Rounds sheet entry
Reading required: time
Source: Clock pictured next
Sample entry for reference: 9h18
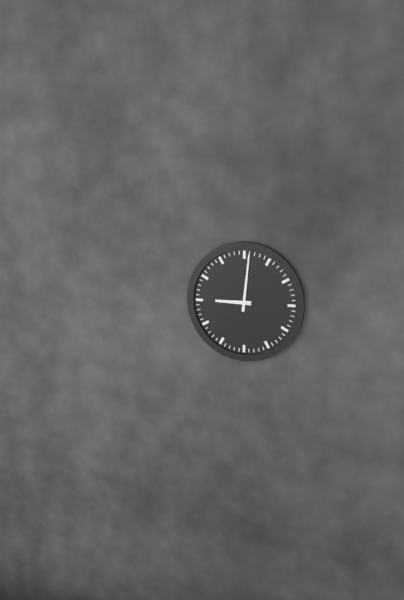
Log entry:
9h01
